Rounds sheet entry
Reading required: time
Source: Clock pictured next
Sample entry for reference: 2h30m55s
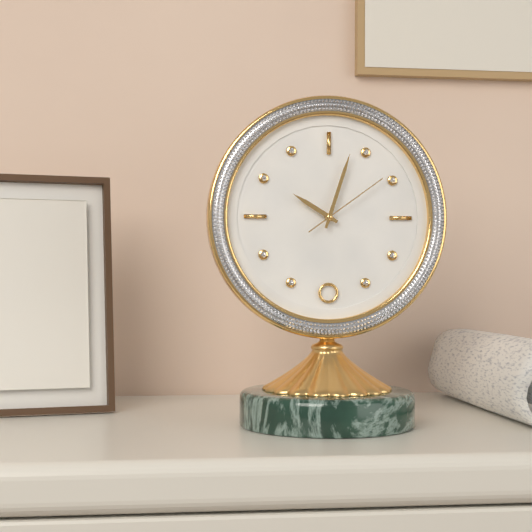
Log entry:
10h03m09s
